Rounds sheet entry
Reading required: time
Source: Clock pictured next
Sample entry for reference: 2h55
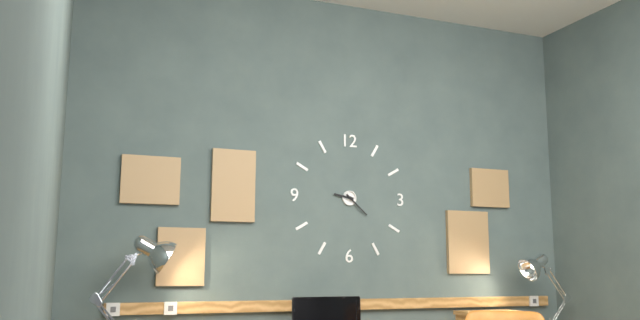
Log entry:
9h22
